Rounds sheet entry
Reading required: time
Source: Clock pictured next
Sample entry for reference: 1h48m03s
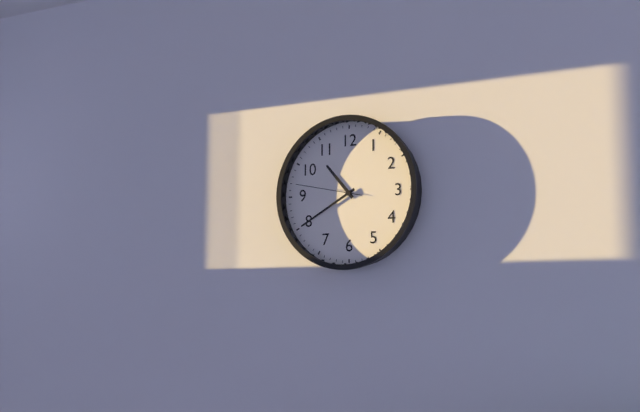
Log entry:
10h40m47s
